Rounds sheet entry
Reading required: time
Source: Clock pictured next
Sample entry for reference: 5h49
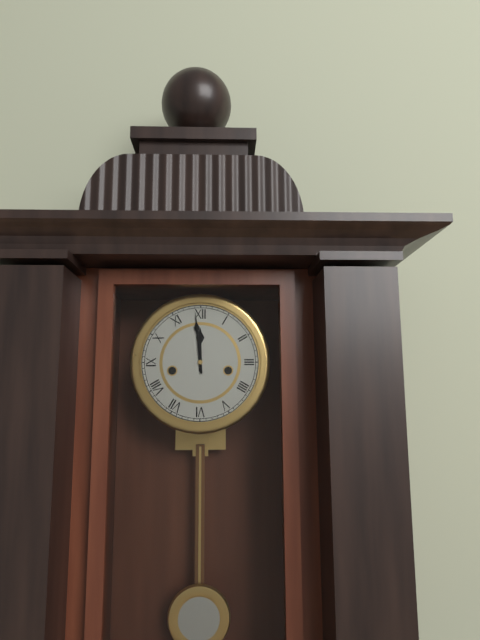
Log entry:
11h59
